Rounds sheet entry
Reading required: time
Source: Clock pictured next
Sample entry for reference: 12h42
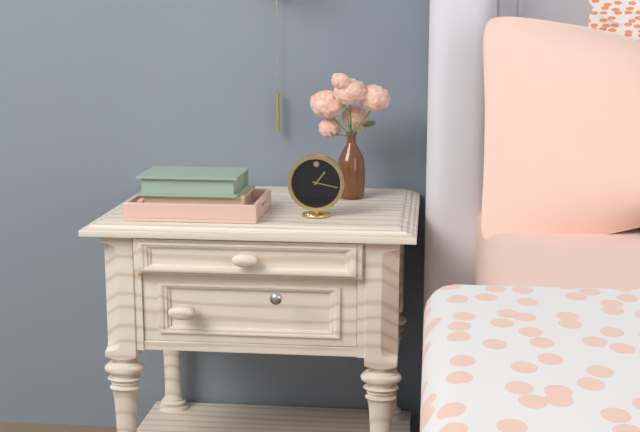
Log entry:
1h17
